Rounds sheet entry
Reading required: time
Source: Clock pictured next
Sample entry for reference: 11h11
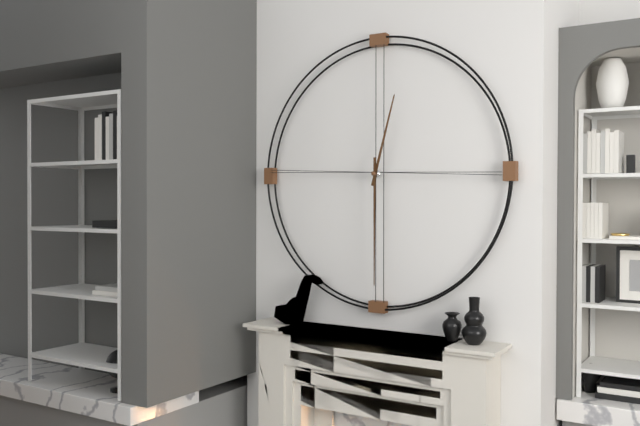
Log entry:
12h30
